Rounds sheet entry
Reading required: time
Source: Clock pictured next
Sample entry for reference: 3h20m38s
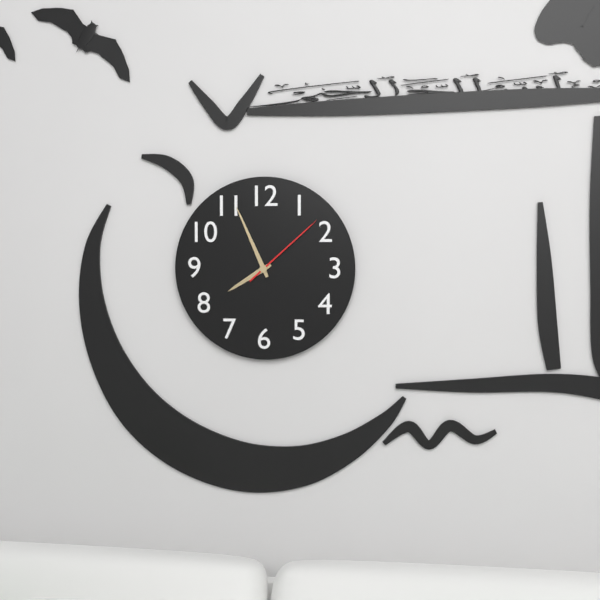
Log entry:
7h56m08s
